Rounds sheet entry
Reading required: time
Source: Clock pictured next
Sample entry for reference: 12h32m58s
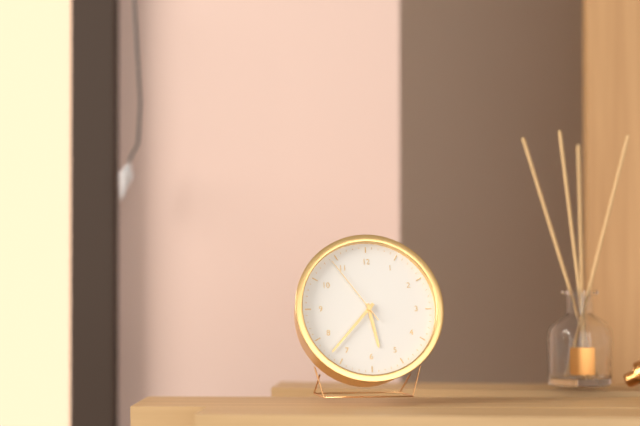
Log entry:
5h37m54s
